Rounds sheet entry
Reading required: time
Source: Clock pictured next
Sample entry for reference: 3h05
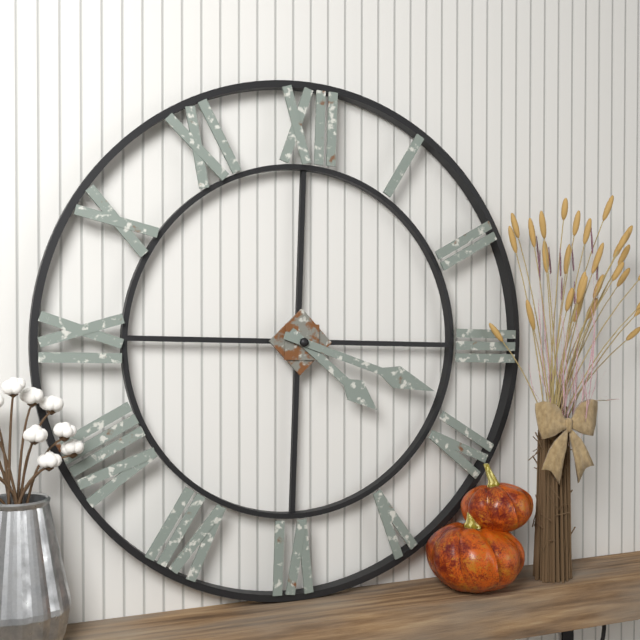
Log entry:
4h18
